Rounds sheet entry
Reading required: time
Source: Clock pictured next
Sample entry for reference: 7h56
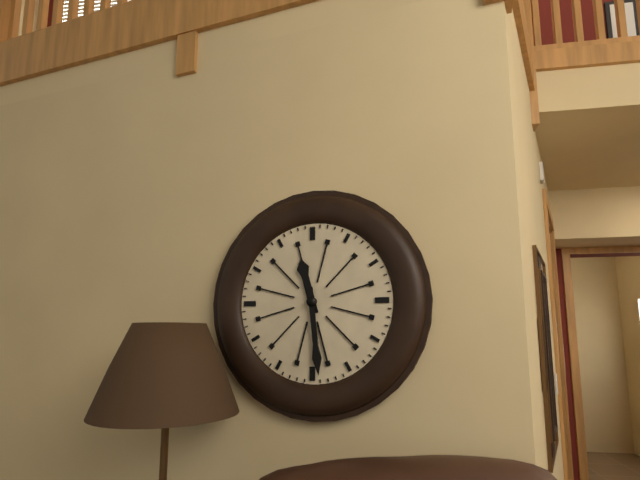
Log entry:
11h29
